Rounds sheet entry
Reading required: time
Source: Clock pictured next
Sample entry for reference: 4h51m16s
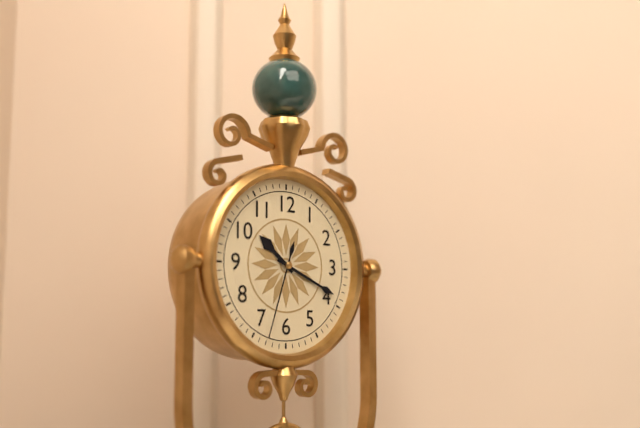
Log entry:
10h19m33s
